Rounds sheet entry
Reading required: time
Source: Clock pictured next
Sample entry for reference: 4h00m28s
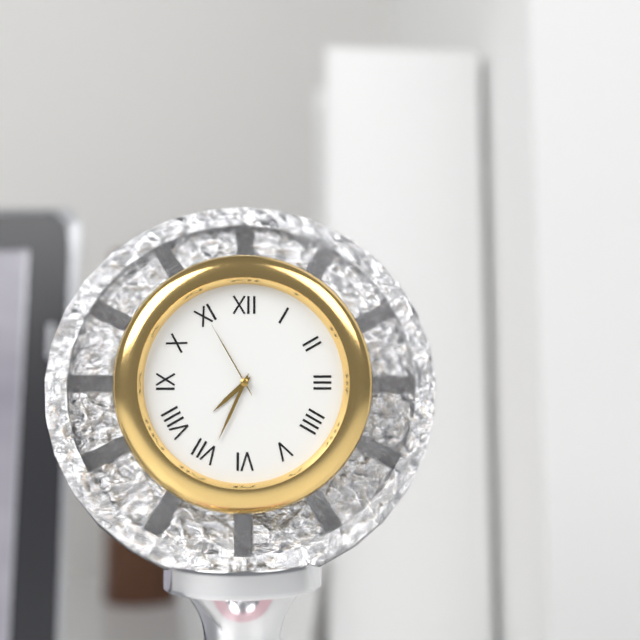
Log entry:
7h34m55s
